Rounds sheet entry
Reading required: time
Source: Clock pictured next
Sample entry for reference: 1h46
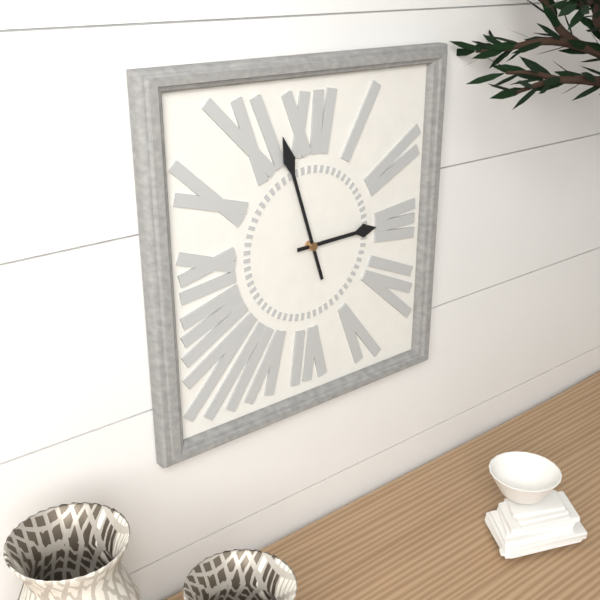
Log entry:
2h57
